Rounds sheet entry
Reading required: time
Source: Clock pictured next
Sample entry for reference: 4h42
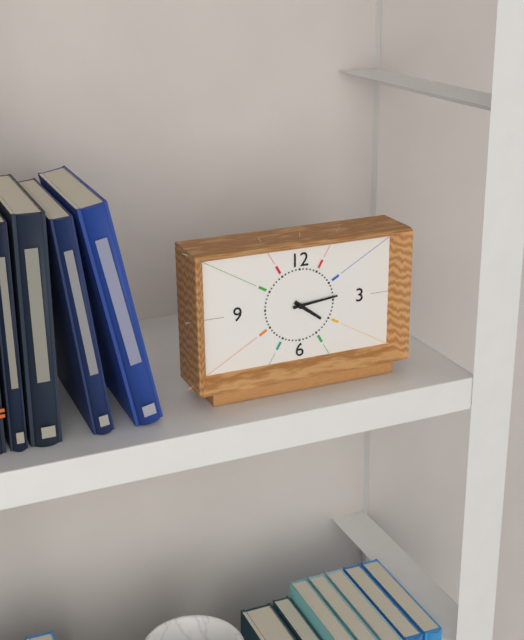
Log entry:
4h14
